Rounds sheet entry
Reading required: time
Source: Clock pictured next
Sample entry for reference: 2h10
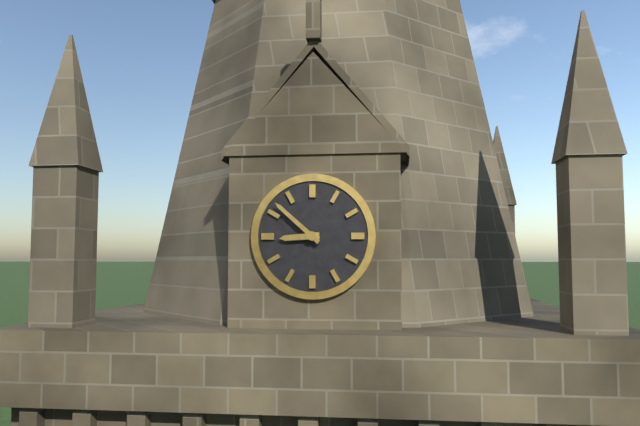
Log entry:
8h52
